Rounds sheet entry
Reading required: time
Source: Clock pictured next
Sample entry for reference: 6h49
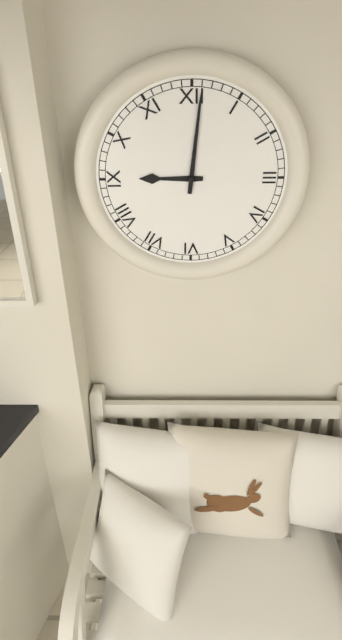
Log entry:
9h01
